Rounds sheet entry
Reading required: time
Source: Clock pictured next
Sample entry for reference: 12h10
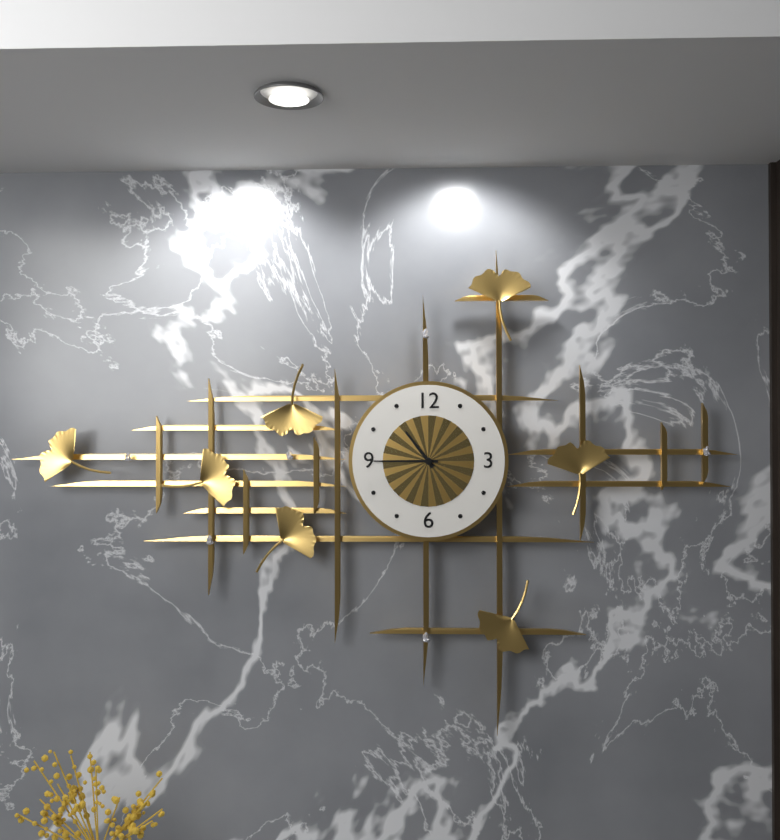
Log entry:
10h45
